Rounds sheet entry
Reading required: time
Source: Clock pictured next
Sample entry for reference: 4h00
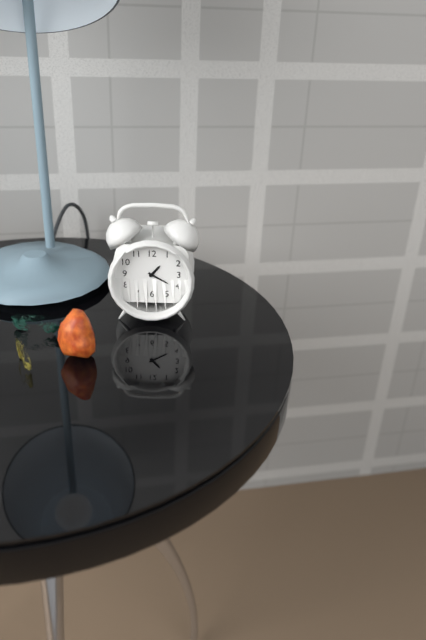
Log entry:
1h20
